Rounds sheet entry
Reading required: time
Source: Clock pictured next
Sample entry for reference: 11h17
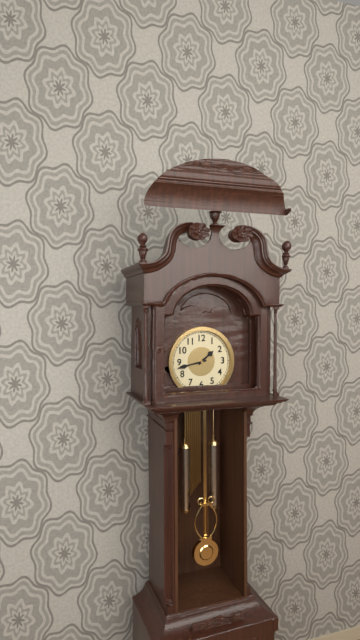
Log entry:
1h43
